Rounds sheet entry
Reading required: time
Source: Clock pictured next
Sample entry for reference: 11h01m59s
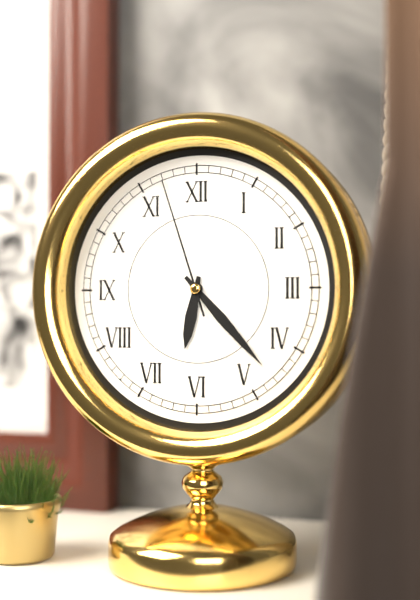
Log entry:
6h23m57s
